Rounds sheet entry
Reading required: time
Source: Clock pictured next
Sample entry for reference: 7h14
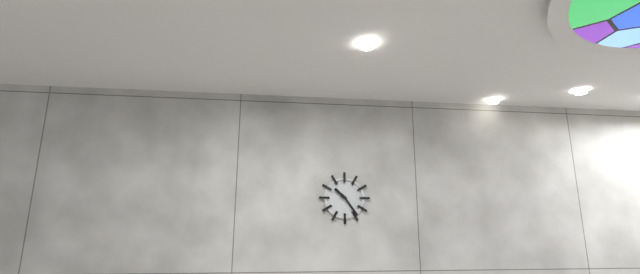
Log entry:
10h24
